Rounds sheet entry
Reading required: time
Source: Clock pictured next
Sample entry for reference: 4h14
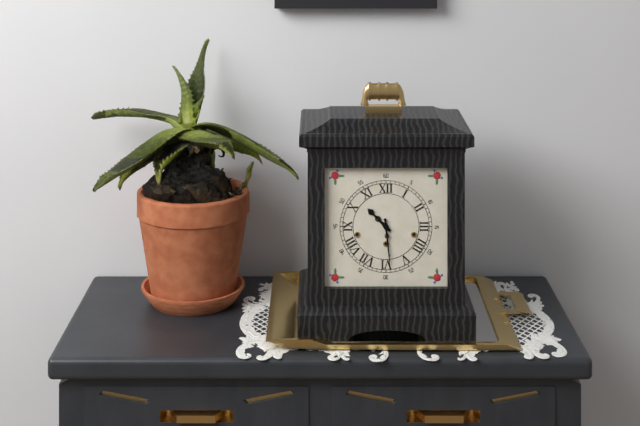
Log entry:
10h29
